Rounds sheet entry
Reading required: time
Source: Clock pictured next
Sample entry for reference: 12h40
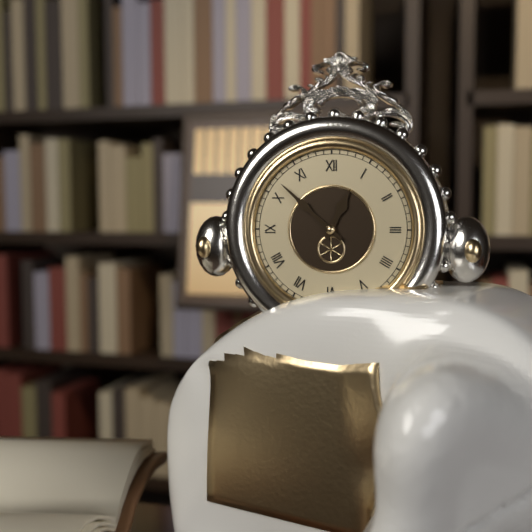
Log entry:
12h52
